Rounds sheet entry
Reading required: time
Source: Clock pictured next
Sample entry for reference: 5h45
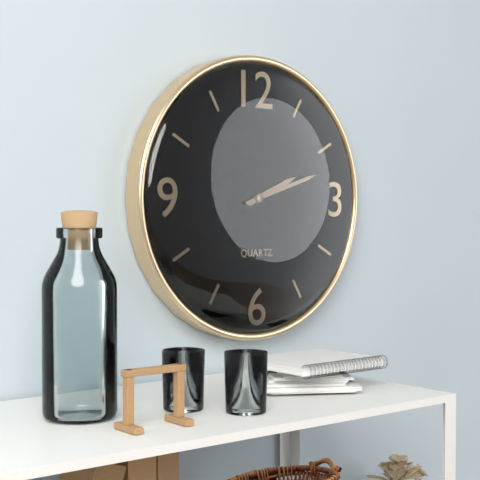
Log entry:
2h12
